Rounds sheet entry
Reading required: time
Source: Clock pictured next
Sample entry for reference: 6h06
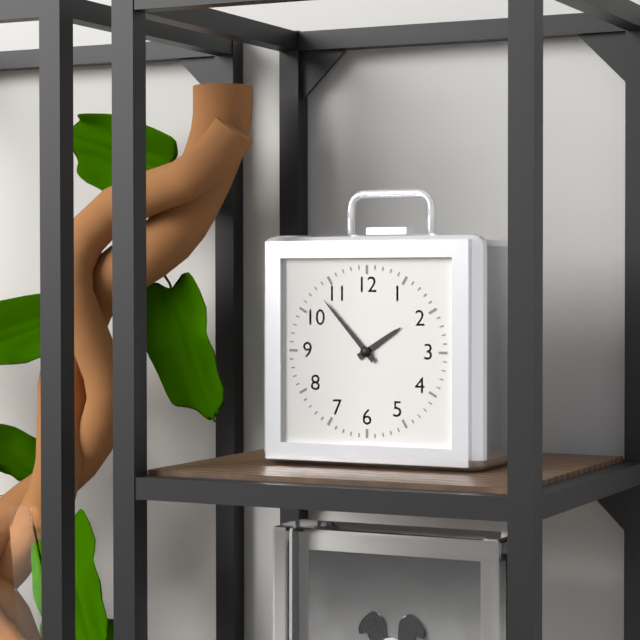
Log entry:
1h53
